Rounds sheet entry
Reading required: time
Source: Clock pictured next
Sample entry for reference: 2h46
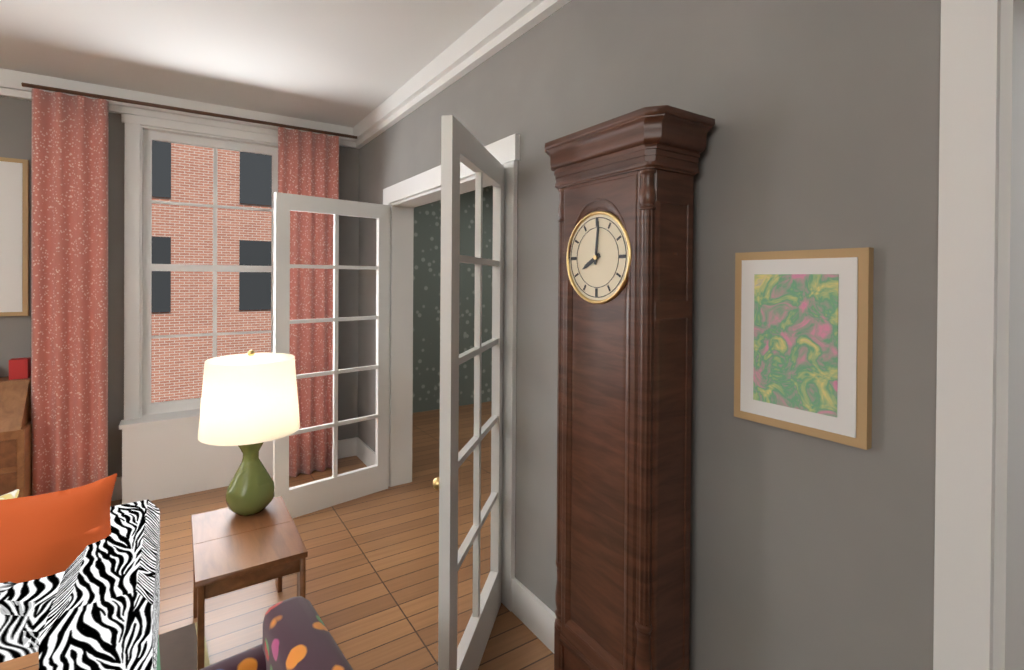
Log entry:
8h01
